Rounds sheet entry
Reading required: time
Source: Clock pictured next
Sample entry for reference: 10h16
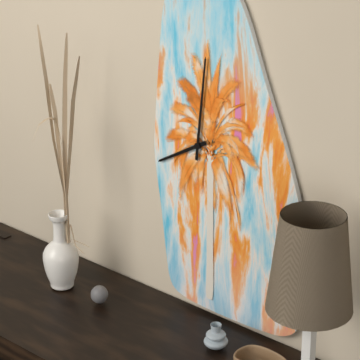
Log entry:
8h01
